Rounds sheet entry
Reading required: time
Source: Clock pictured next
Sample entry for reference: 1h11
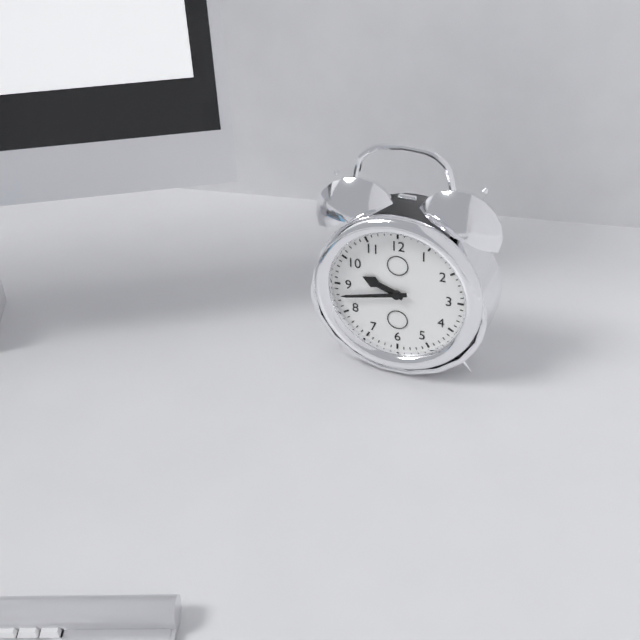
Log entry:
9h43
